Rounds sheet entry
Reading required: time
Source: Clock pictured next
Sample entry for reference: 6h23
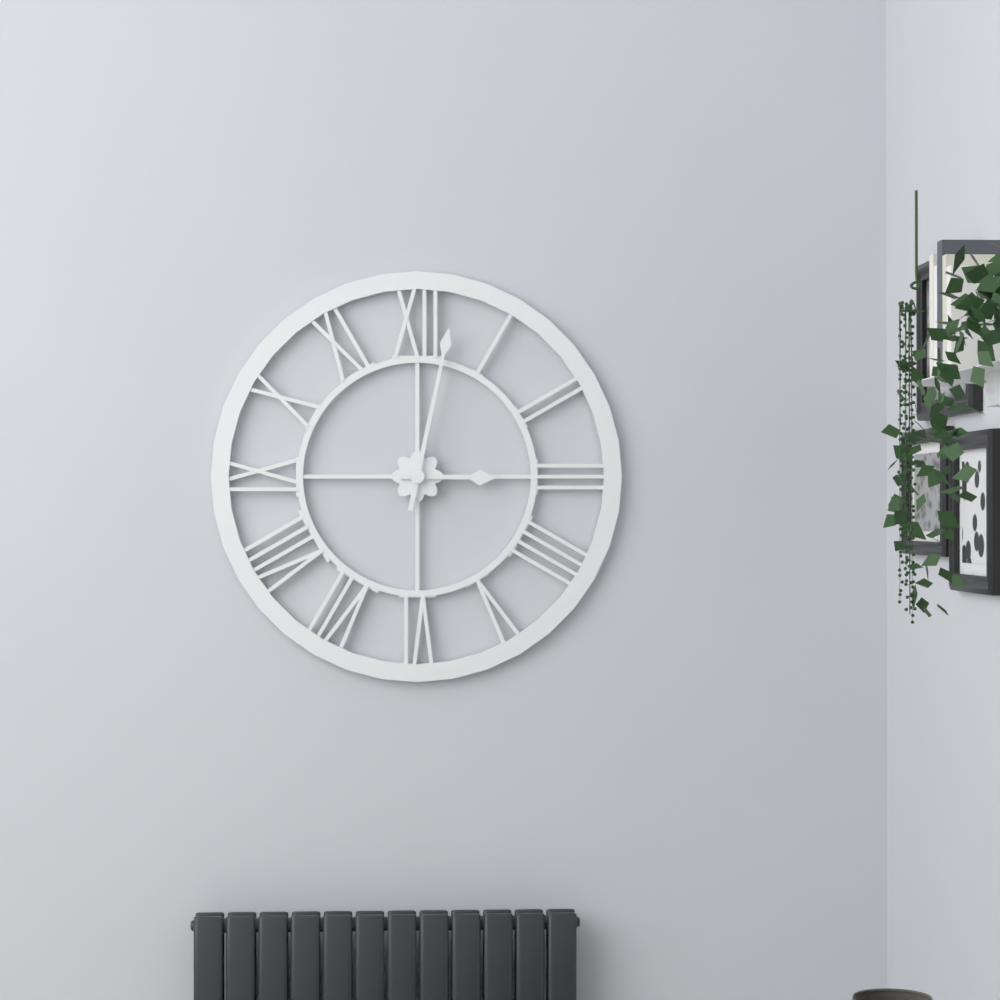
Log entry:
3h02
